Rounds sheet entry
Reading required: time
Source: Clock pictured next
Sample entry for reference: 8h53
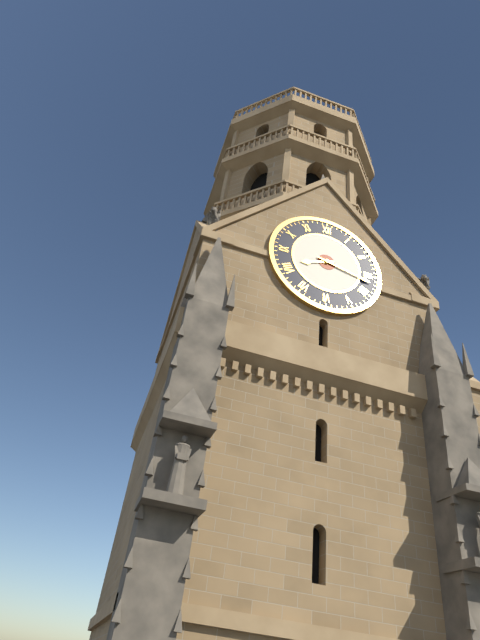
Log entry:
8h17
